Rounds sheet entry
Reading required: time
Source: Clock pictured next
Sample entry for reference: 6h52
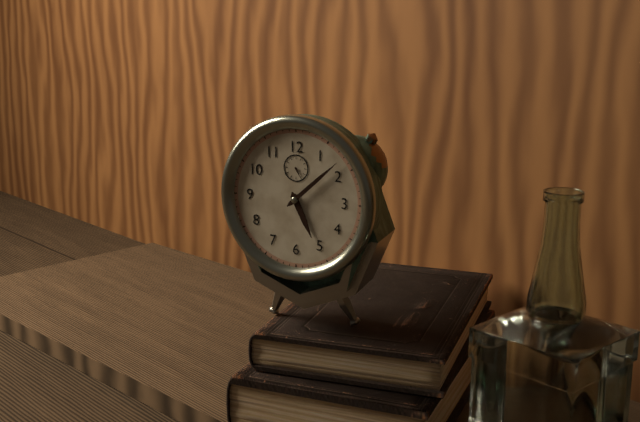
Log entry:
5h08
